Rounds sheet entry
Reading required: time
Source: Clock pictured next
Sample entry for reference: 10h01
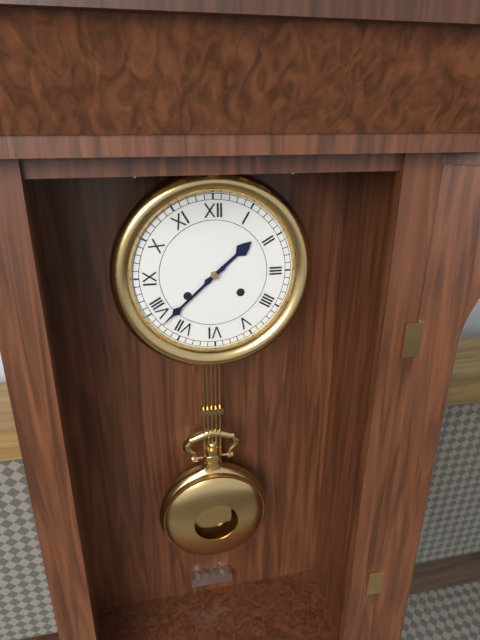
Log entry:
1h38
